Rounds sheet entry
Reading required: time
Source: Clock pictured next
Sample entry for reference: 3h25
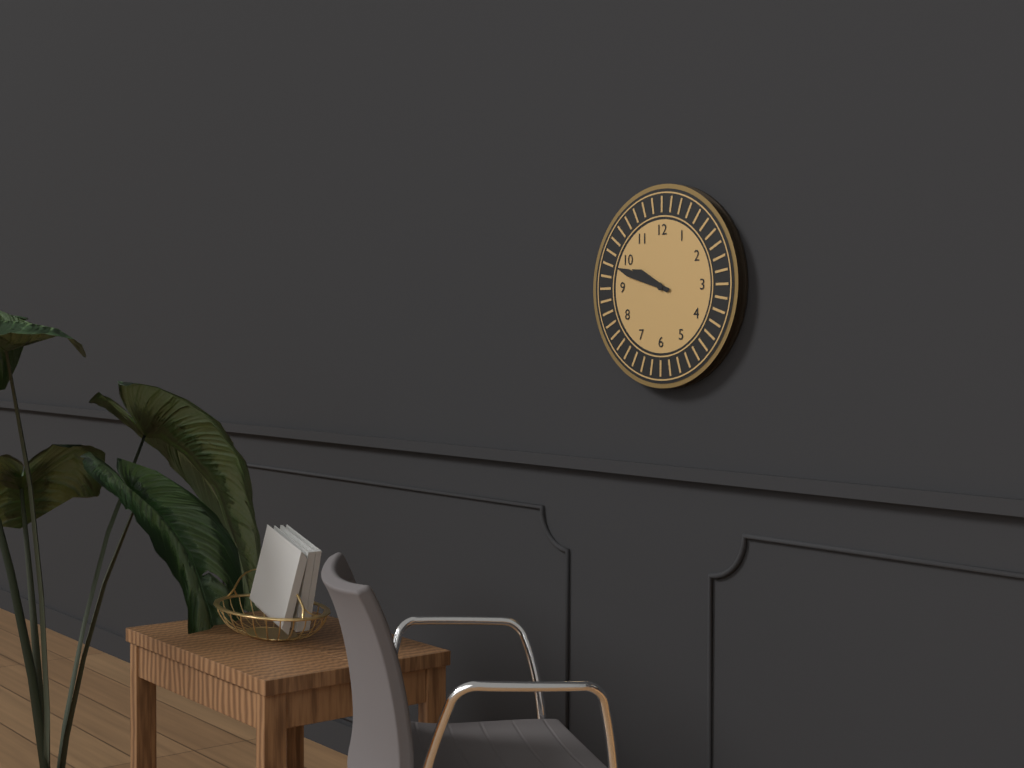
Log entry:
9h48
